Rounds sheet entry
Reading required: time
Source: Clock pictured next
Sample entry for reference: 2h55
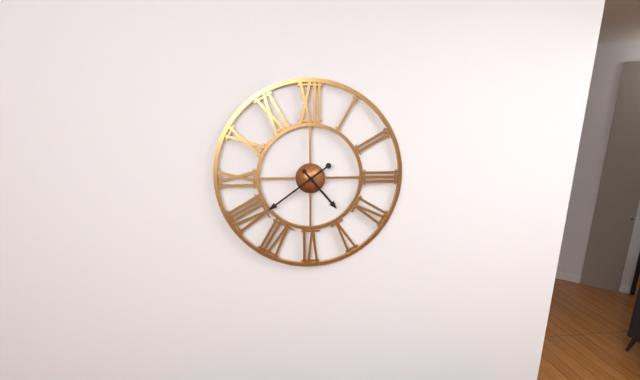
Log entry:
4h39
